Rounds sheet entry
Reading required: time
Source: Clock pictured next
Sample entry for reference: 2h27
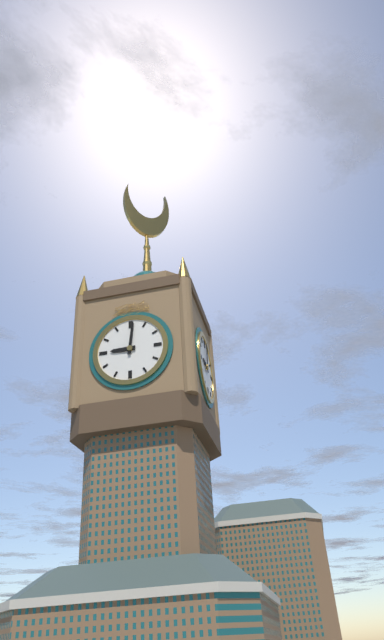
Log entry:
9h01
